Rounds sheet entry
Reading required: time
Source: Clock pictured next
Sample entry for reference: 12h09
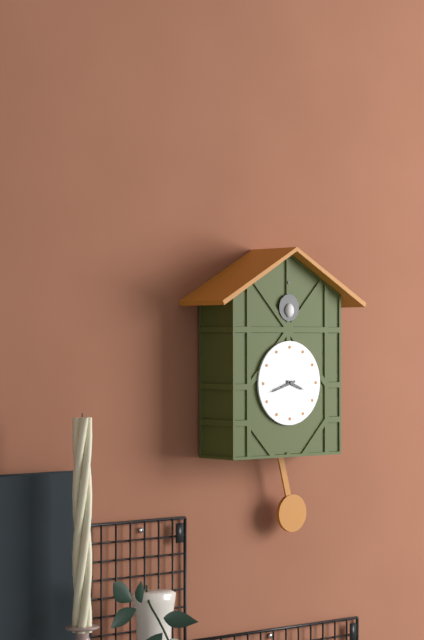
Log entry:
3h42
